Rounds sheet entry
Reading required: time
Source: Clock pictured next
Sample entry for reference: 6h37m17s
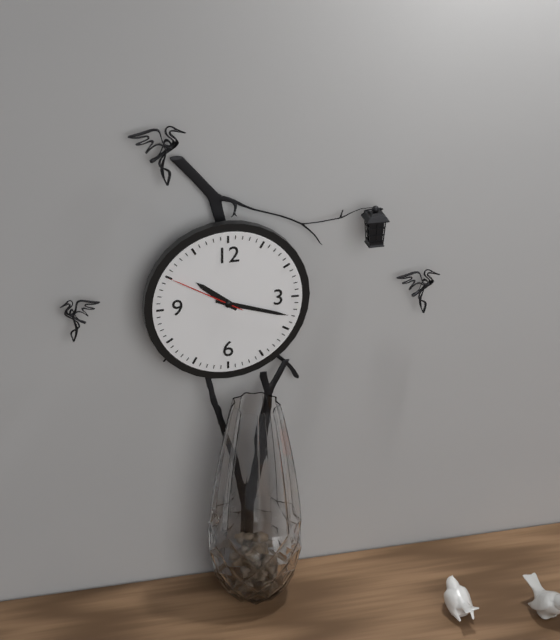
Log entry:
10h18m50s
